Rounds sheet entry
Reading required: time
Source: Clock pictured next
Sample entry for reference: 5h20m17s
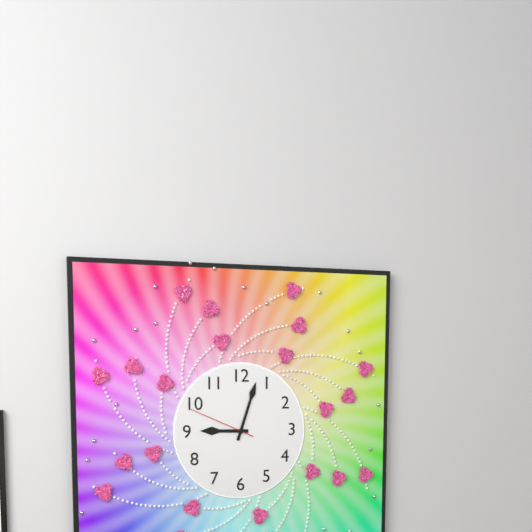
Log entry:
9h03m49s
